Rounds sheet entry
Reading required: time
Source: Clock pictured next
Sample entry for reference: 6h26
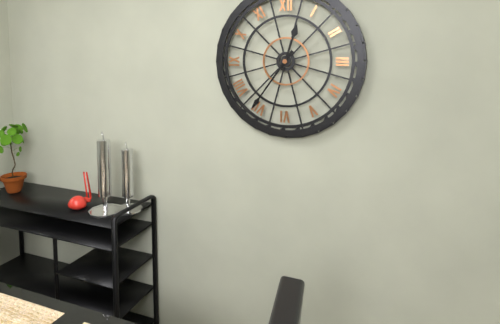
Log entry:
12h36
